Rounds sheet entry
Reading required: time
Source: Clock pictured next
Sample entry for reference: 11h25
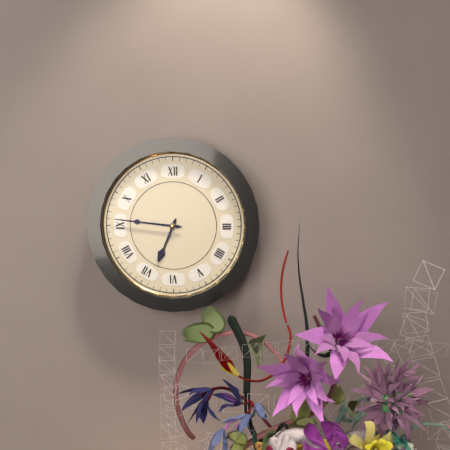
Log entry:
6h46
